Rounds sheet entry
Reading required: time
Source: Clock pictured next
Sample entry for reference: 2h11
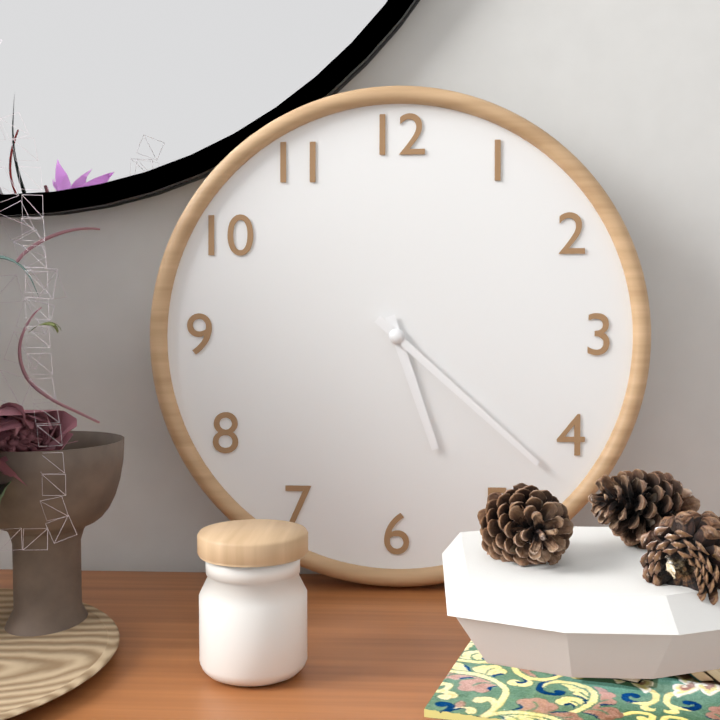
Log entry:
5h22
